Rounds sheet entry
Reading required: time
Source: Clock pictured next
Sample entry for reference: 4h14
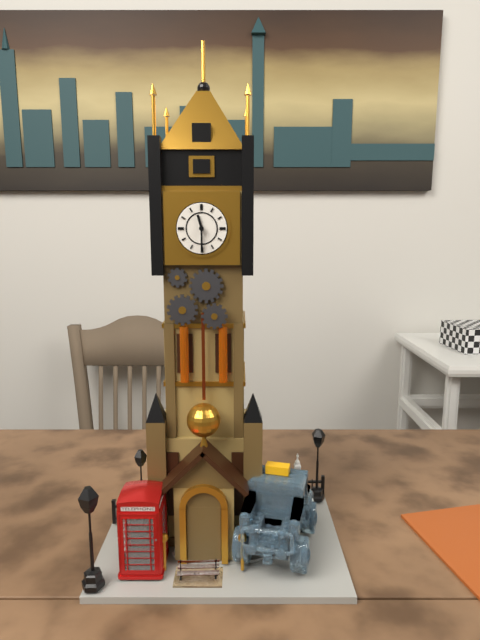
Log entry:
11h30
